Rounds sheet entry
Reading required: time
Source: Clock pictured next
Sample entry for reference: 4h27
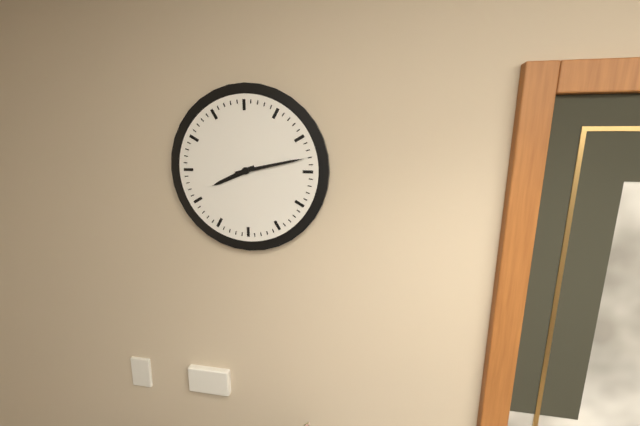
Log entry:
8h13
